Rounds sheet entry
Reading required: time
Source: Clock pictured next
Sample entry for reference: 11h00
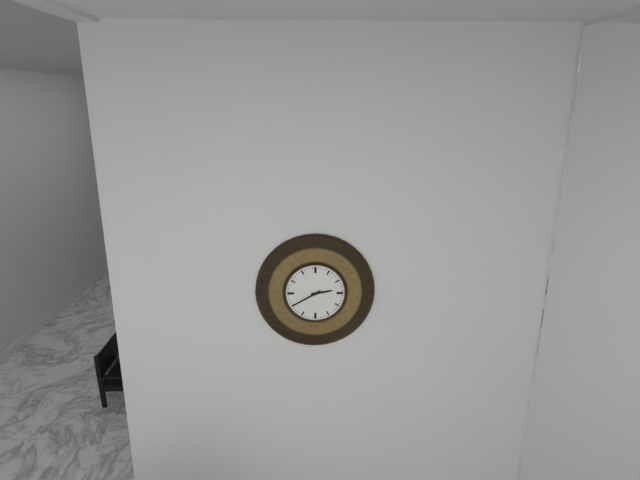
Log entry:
2h40
